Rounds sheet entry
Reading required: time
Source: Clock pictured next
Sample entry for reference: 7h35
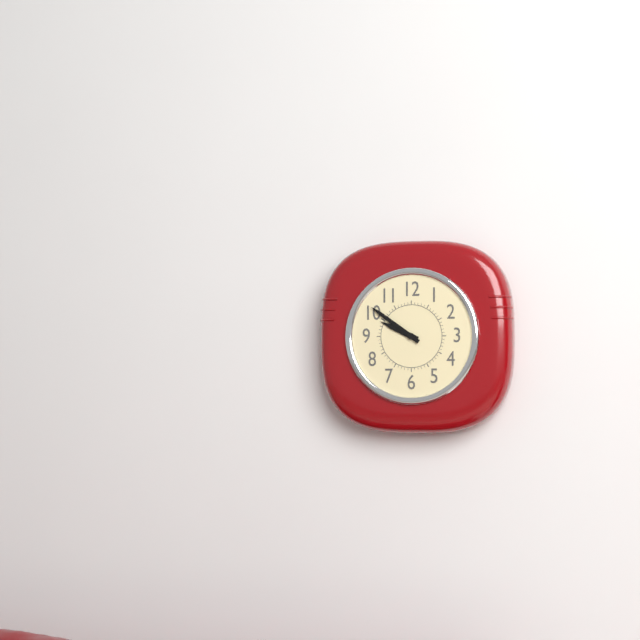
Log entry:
9h51
